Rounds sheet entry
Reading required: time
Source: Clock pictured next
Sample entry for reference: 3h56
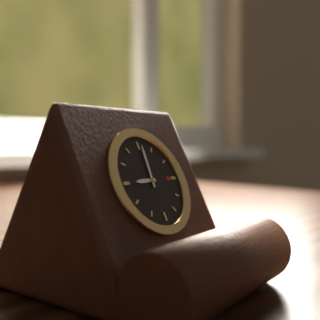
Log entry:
9h01
